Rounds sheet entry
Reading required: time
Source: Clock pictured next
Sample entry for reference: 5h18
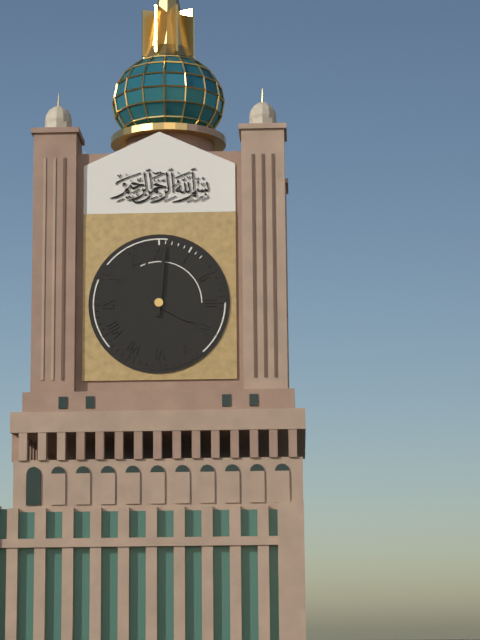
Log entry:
4h01
